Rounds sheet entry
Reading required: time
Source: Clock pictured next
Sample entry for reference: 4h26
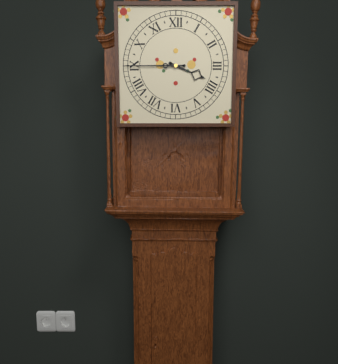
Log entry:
3h45
